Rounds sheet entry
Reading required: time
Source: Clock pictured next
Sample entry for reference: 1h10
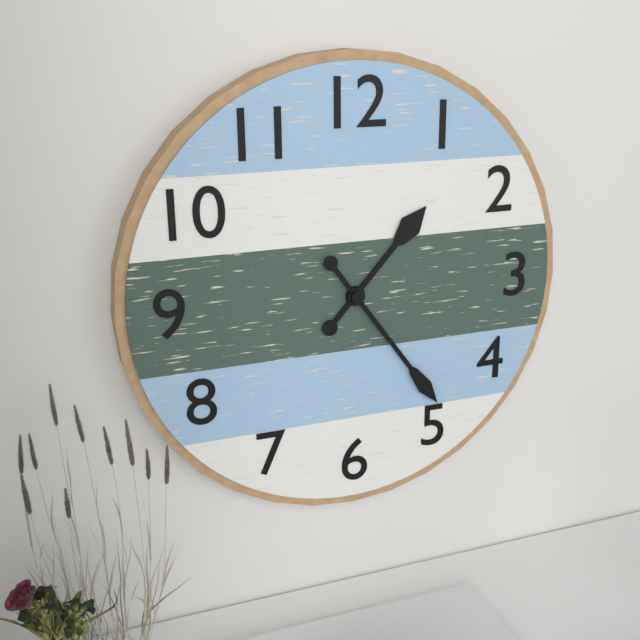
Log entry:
1h24
